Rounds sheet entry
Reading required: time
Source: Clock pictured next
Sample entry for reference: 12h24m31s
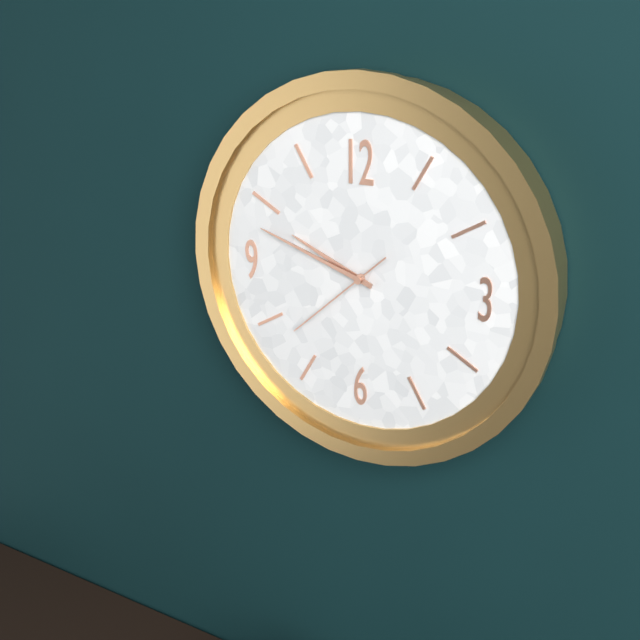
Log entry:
9h48m38s
